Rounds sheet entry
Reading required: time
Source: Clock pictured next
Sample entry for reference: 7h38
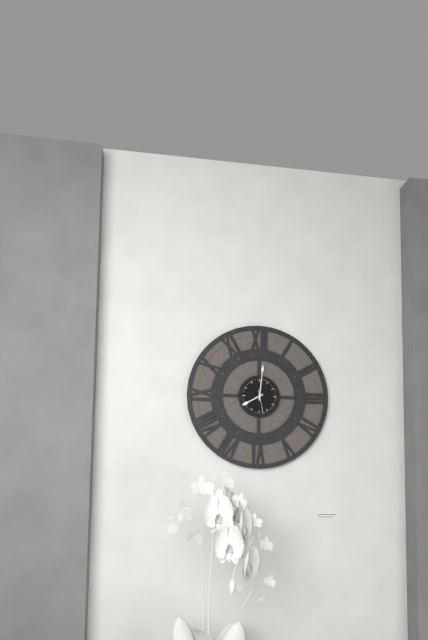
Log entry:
8h01
